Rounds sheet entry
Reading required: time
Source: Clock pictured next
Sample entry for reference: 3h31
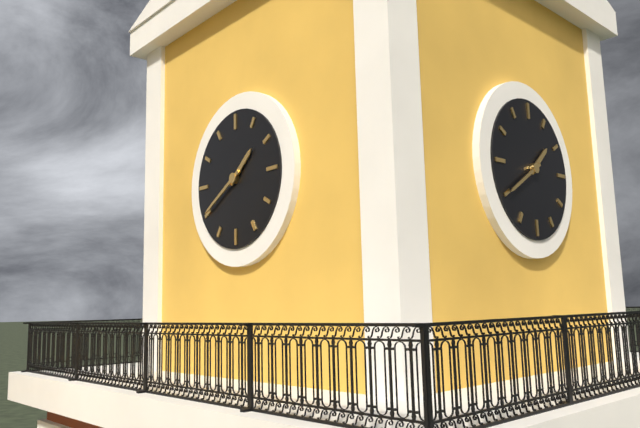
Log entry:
1h40
